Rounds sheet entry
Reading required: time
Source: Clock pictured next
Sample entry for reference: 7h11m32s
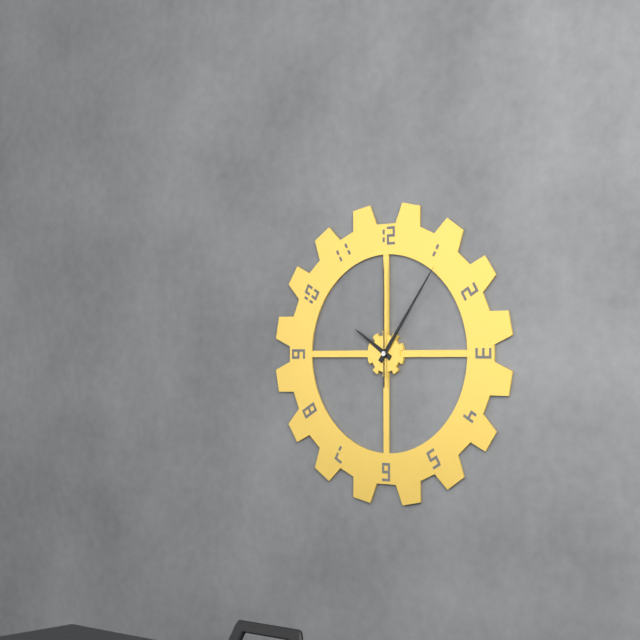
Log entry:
10h06m00s
